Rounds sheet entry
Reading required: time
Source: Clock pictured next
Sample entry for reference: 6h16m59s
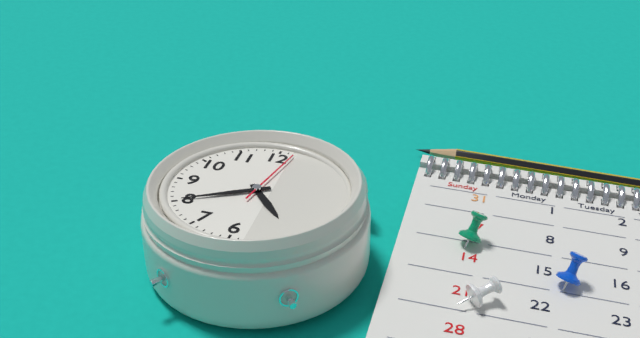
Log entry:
4h40m02s
